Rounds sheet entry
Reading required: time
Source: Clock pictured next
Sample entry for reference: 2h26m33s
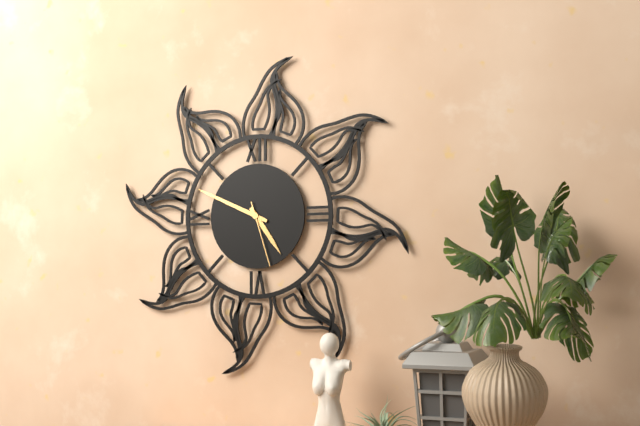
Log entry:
4h49m27s
